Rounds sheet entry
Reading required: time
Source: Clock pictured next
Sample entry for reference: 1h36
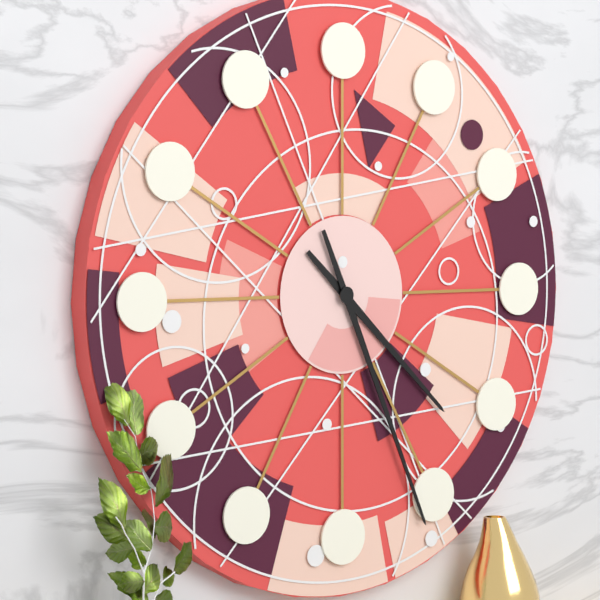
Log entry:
4h26
